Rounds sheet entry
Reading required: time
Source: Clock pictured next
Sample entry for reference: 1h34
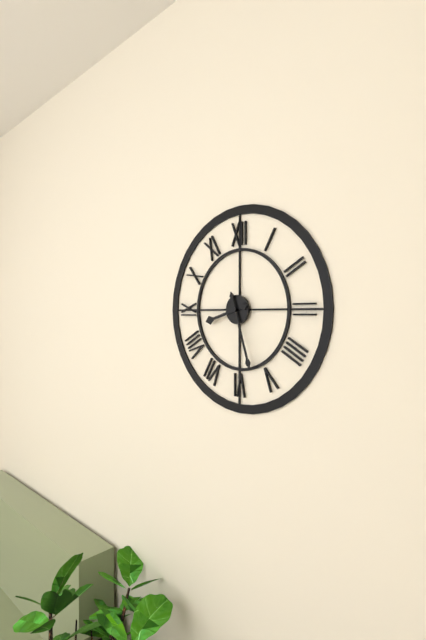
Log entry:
8h27
